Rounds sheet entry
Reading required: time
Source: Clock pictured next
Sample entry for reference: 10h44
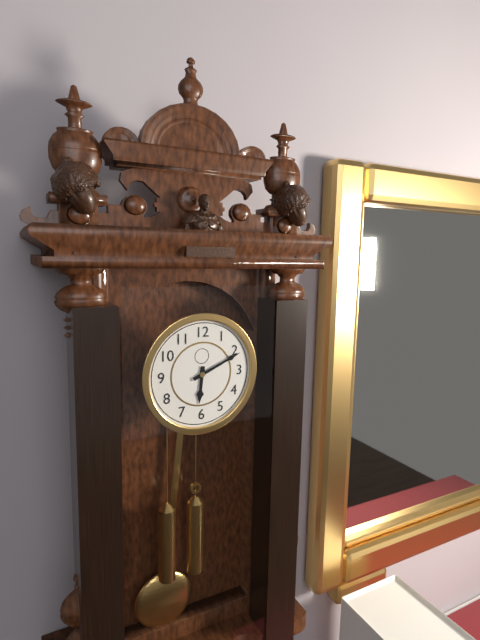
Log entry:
6h11
